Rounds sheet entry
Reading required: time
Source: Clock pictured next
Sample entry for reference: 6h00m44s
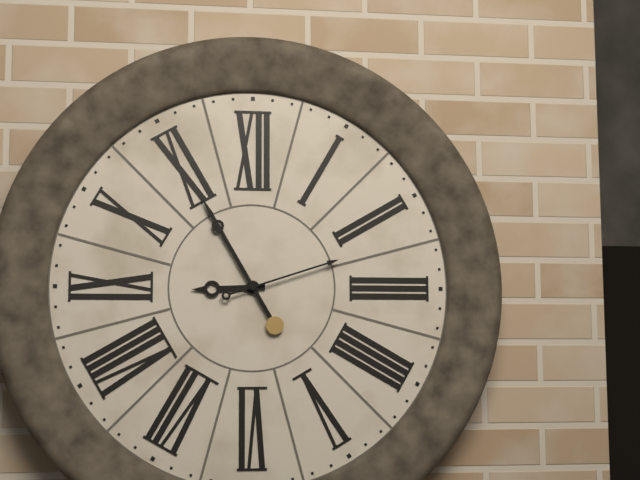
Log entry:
8h55m12s
